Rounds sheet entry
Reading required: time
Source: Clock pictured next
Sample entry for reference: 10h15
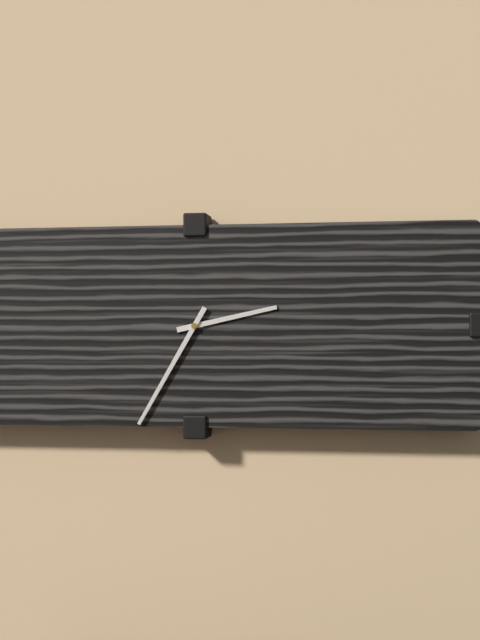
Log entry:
2h35
